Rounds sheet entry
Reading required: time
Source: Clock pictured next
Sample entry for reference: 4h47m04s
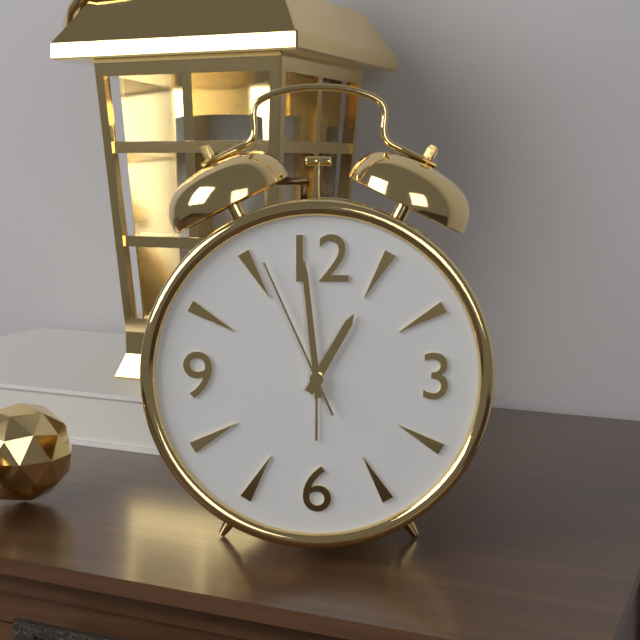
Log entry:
12h59m56s
